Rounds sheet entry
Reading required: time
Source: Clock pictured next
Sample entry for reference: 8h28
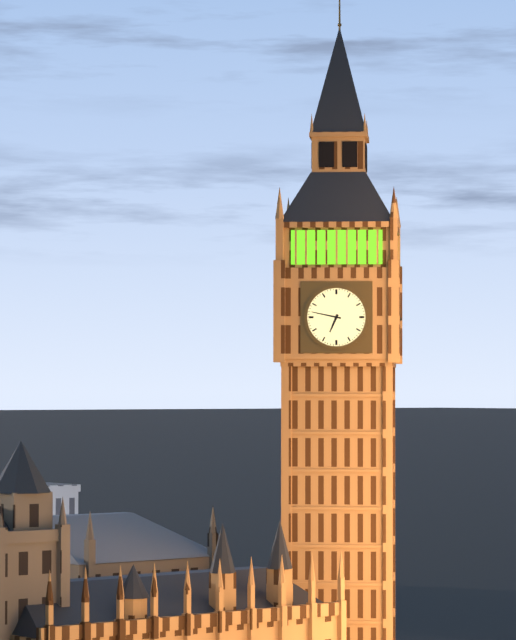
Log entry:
6h47
